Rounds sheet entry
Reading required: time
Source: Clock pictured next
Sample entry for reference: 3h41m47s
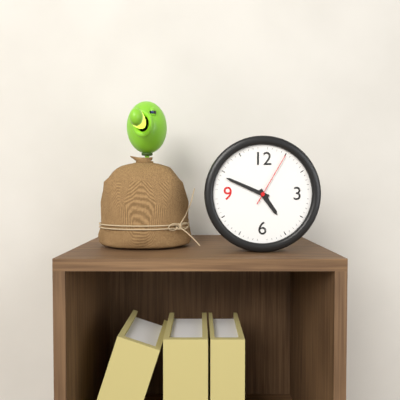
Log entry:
4h49m05s
